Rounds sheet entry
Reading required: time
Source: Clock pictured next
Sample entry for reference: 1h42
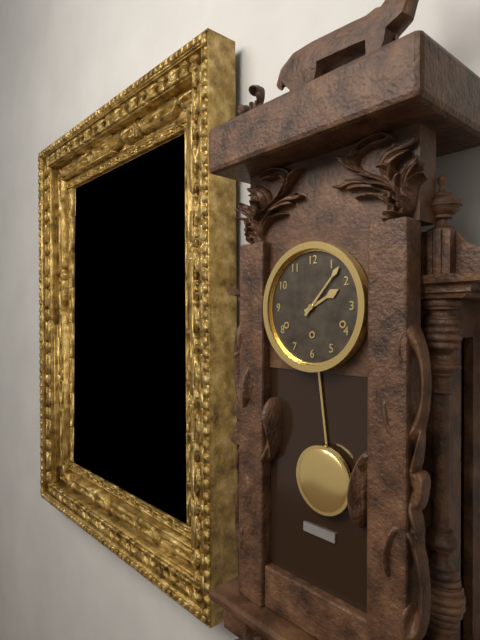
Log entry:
2h07
